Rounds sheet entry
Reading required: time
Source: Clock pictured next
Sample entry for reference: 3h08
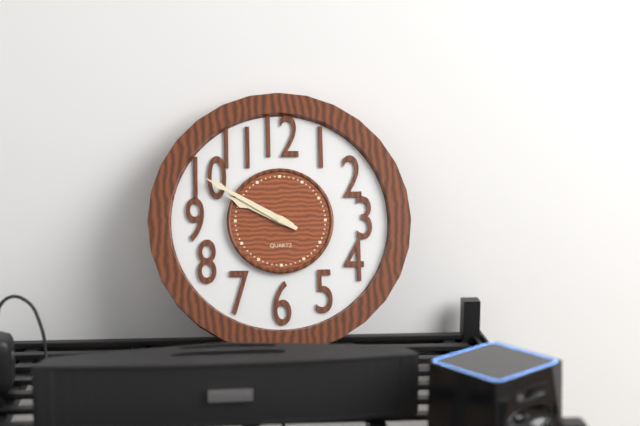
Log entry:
9h50
